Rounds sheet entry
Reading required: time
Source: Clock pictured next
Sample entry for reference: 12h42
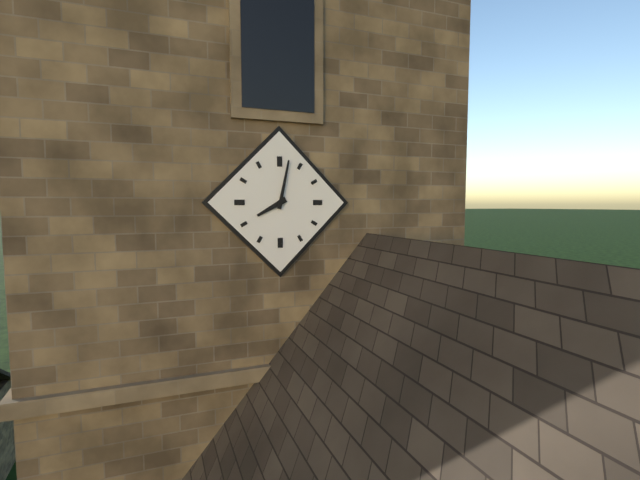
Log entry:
8h02
